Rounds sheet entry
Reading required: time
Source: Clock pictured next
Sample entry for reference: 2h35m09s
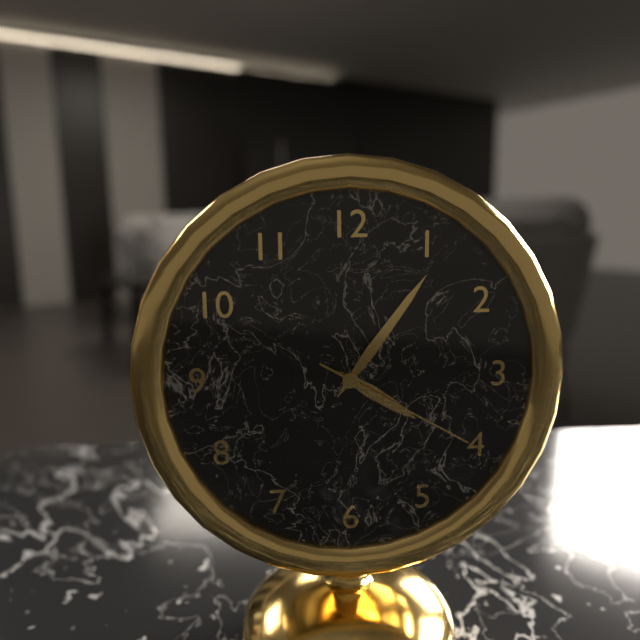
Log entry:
4h06m20s
